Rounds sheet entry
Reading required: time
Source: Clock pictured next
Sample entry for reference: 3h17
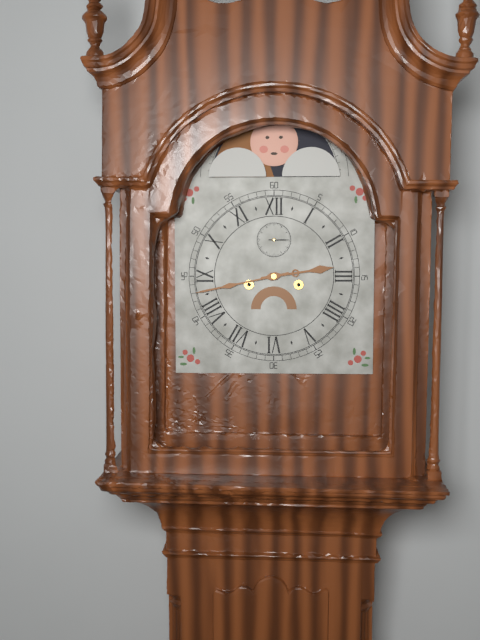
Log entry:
2h43
